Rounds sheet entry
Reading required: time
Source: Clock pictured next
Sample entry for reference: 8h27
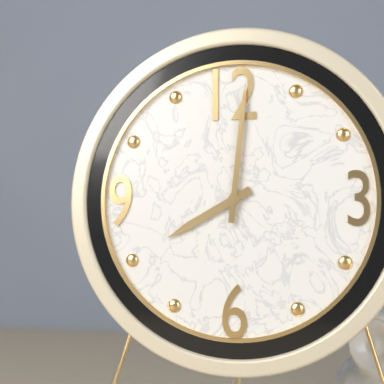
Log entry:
8h01
